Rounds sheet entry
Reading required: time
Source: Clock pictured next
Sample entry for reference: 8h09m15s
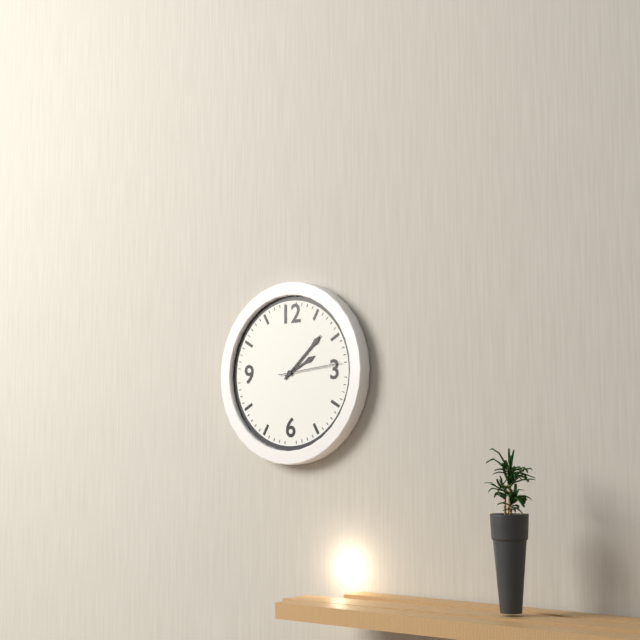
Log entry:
2h08m14s
